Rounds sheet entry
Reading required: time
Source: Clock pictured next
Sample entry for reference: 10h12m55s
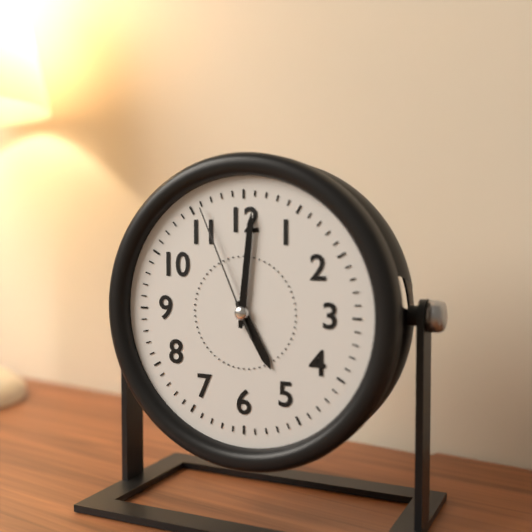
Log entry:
5h01m56s
